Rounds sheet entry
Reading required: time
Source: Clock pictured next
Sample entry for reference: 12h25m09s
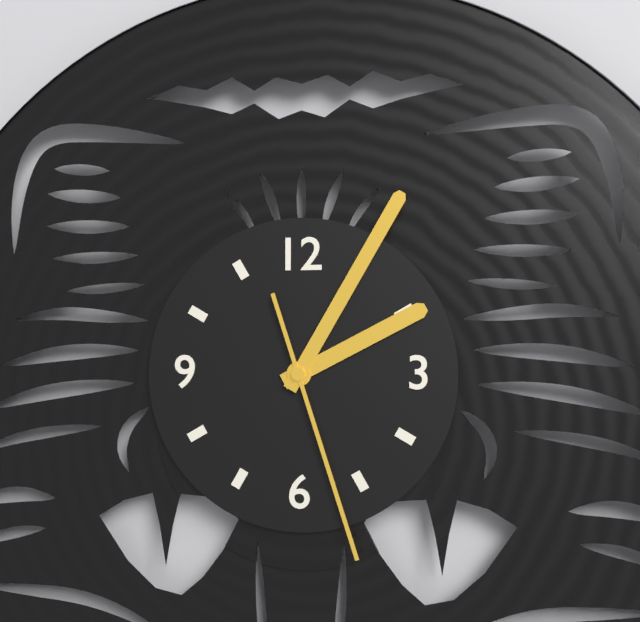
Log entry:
2h05m27s
